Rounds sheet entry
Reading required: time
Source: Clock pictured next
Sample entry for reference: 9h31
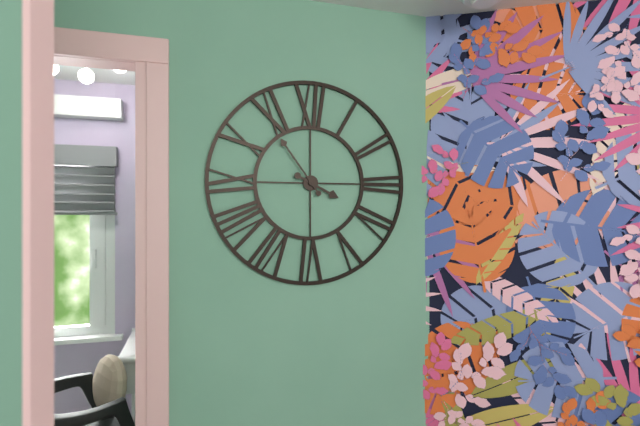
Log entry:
3h54
